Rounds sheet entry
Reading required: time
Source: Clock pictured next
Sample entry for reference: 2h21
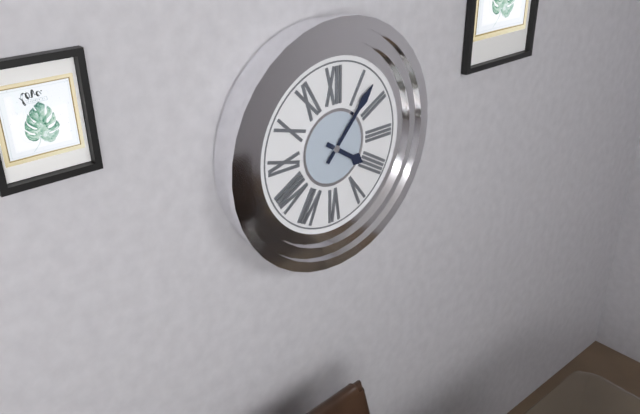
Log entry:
4h07
